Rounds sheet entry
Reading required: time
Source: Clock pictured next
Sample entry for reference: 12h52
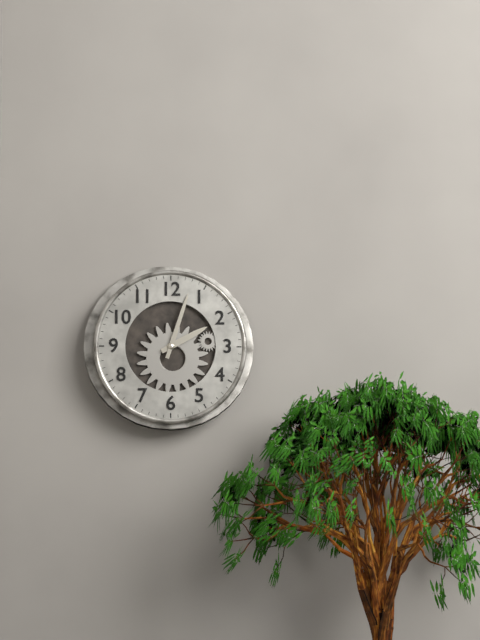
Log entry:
2h03
